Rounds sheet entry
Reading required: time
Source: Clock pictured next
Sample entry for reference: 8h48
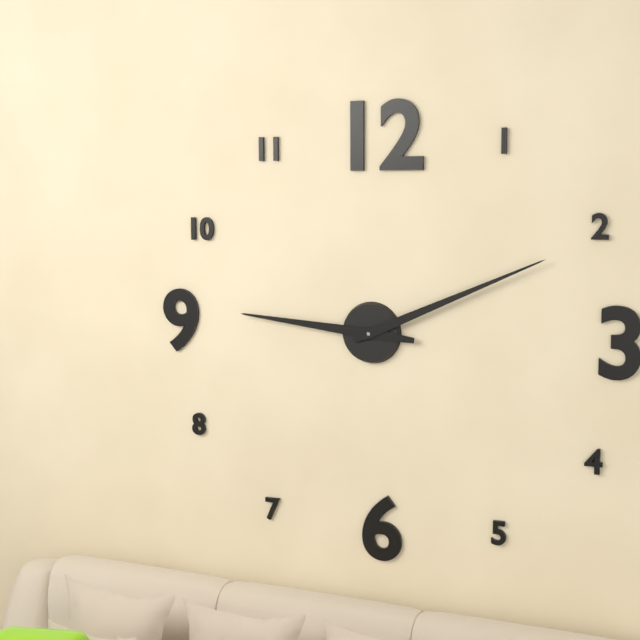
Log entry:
9h11
